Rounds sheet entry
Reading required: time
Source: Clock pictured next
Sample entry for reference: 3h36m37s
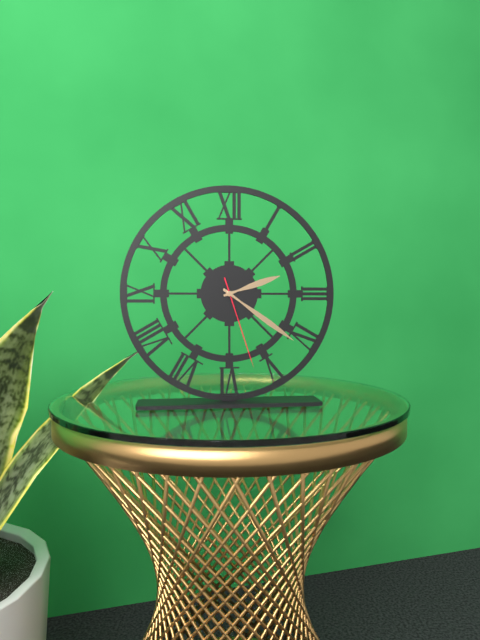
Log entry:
2h21m27s
